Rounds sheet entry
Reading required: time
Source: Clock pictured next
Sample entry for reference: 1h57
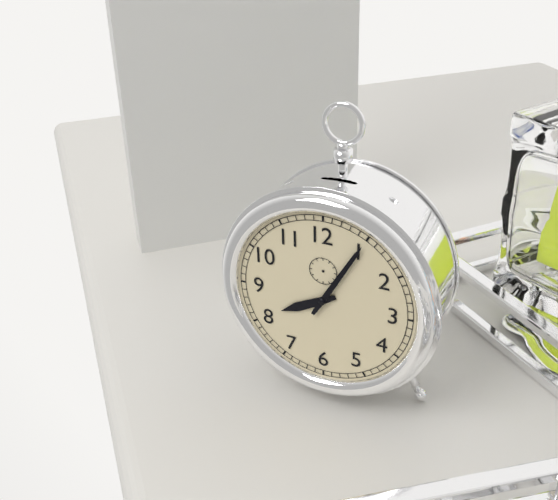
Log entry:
8h05
